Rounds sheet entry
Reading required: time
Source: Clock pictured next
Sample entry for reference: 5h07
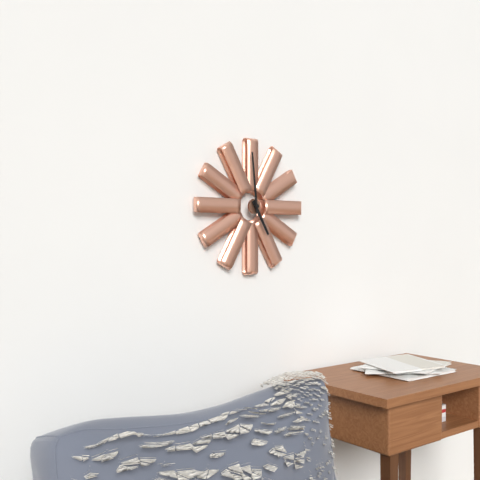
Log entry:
4h59
